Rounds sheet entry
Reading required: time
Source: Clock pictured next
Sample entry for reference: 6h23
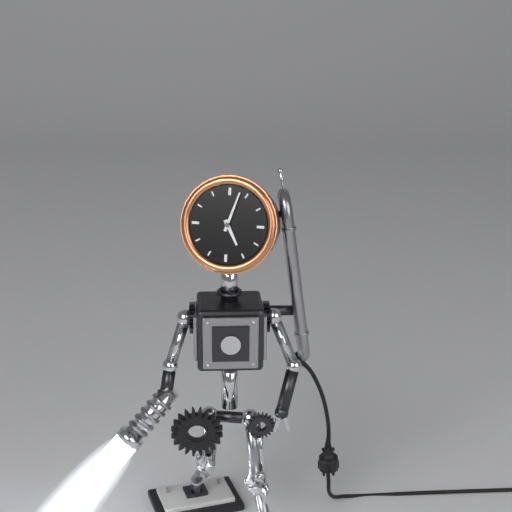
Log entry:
5h03
